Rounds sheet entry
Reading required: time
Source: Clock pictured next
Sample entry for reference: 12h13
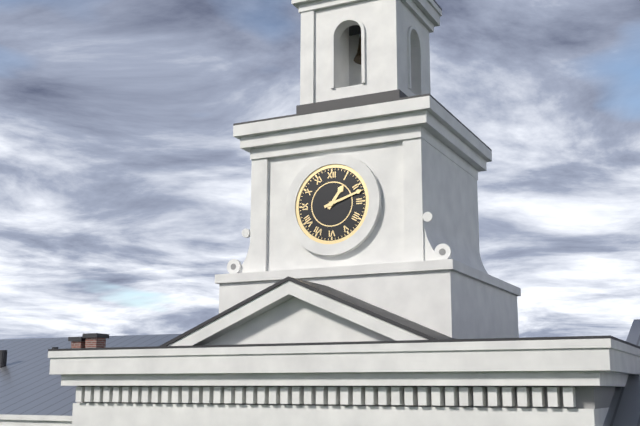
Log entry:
1h12
